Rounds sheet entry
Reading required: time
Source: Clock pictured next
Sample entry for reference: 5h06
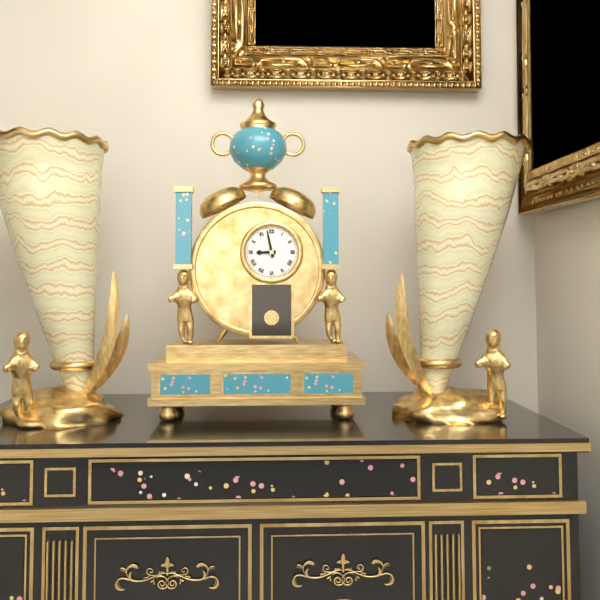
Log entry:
8h58
